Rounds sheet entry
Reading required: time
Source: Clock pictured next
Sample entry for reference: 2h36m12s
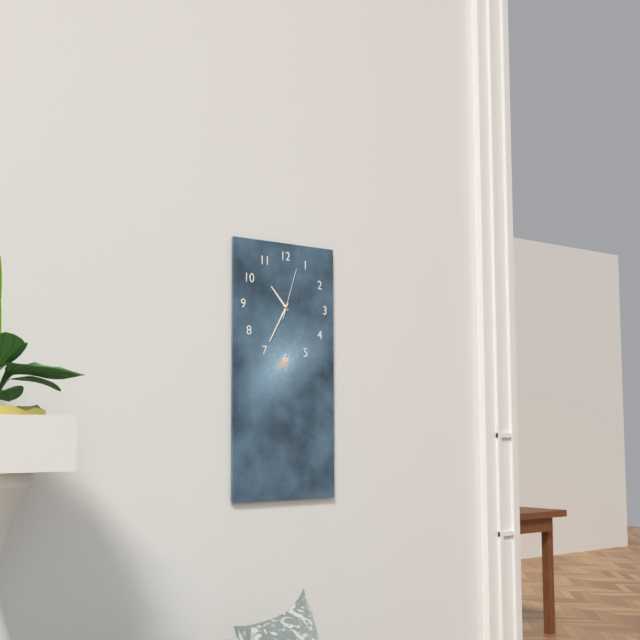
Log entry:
10h35m03s
